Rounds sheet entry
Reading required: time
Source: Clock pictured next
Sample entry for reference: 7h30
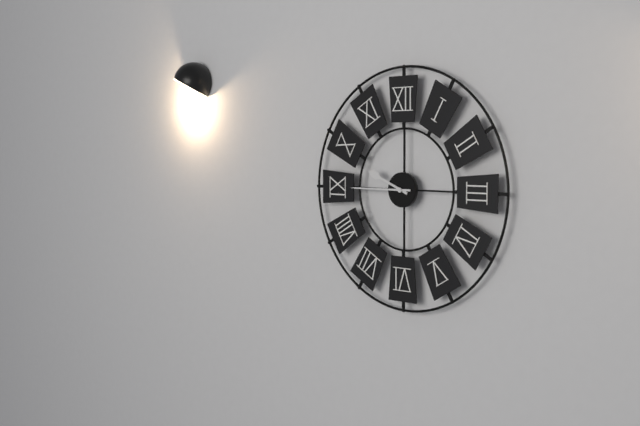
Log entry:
9h45
